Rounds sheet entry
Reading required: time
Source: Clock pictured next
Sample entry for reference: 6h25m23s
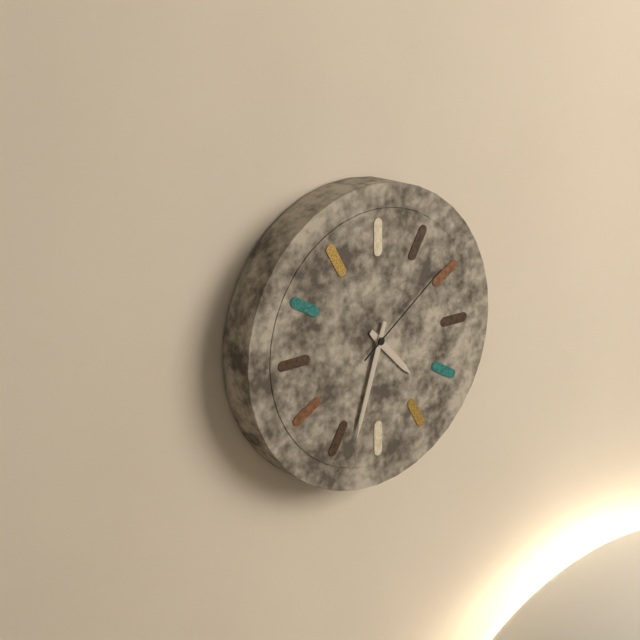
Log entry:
4h33m09s
